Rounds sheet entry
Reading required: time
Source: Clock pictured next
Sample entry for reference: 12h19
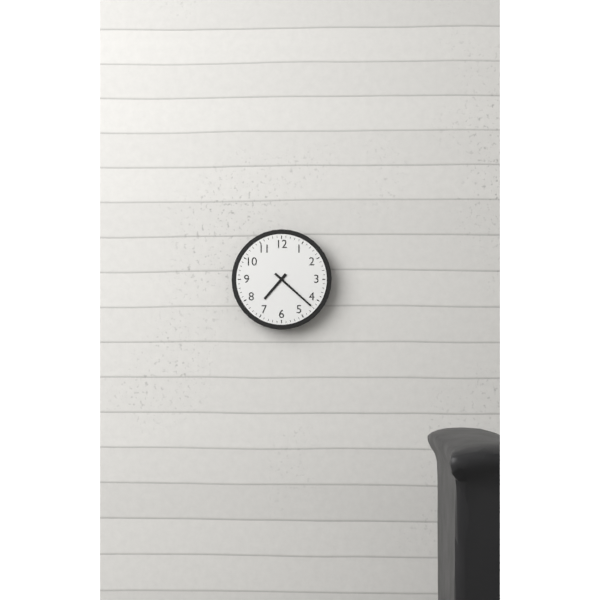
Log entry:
7h22
